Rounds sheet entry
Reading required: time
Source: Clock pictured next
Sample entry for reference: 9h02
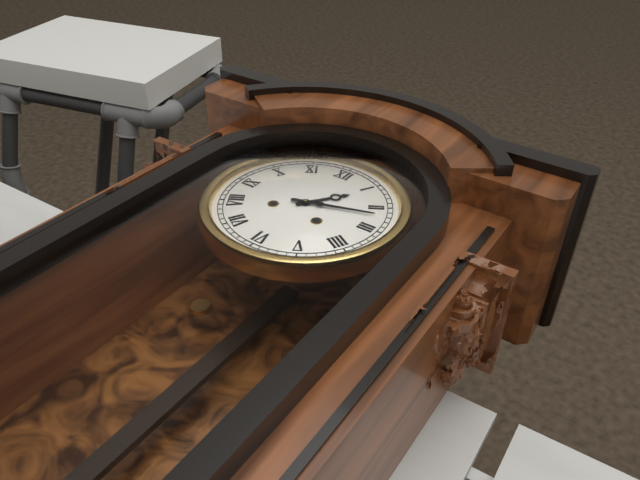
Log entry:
1h12
